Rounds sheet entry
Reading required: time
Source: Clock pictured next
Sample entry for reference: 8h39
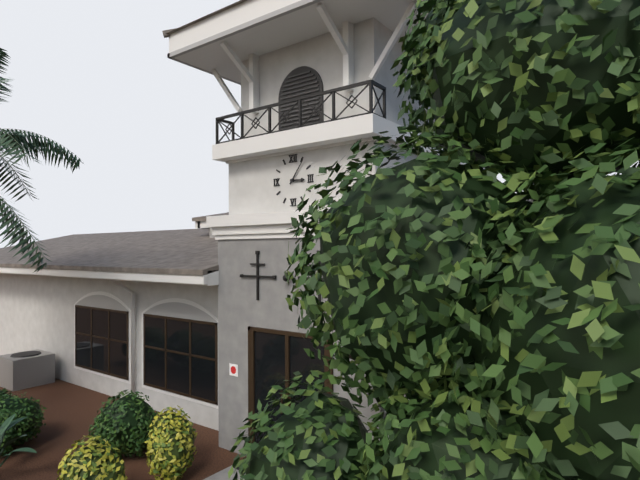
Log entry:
3h06
